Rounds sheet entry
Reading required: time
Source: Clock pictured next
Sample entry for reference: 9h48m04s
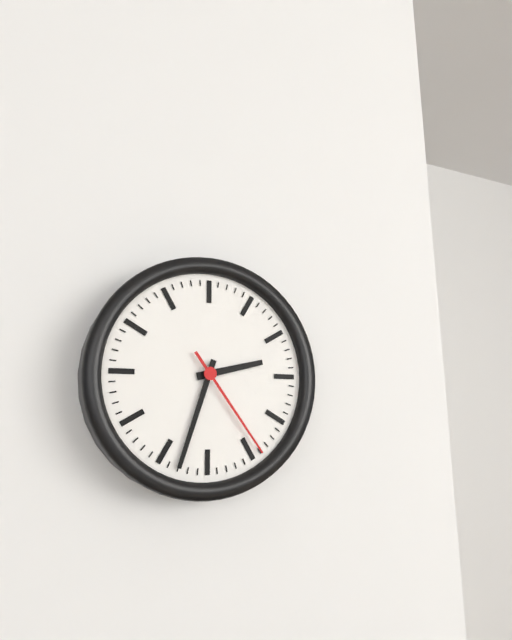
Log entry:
2h33m24s
